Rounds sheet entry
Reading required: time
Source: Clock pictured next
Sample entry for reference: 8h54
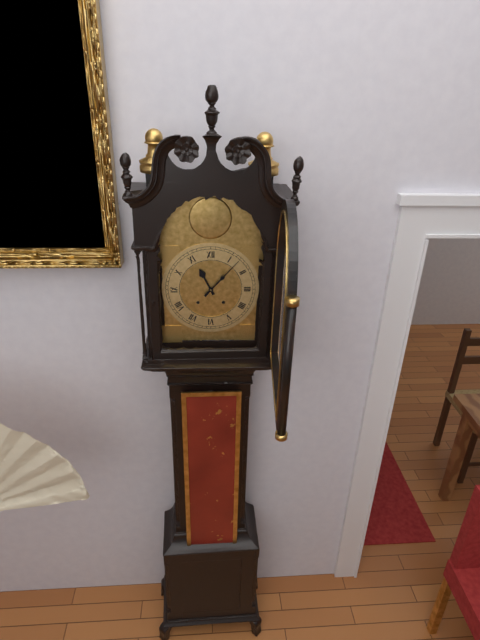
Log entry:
11h07
